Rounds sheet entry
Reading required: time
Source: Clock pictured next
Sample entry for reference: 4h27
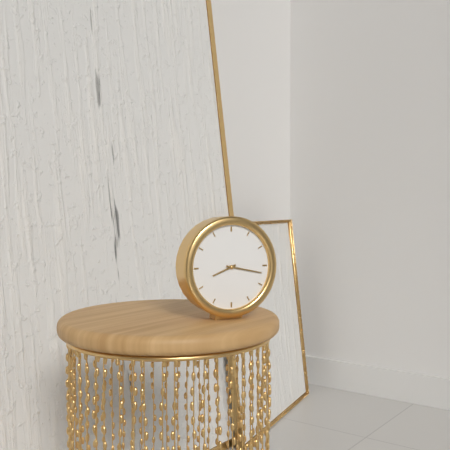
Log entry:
8h17
